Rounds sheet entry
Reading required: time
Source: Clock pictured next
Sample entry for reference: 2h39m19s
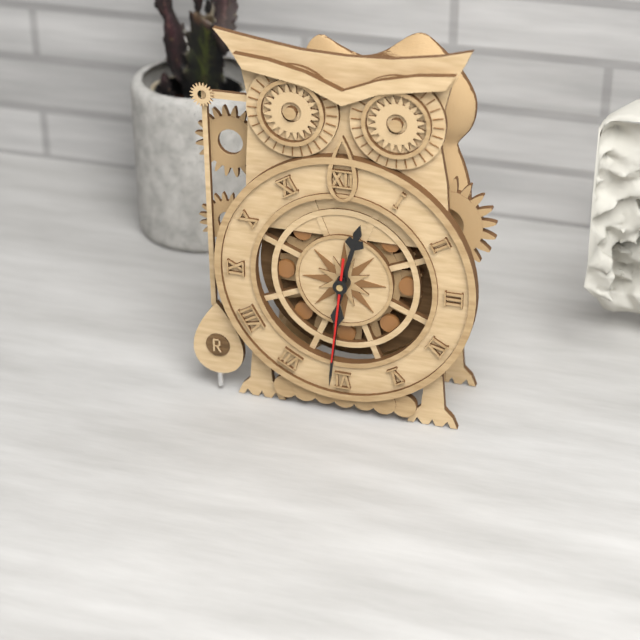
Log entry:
12h31m31s
